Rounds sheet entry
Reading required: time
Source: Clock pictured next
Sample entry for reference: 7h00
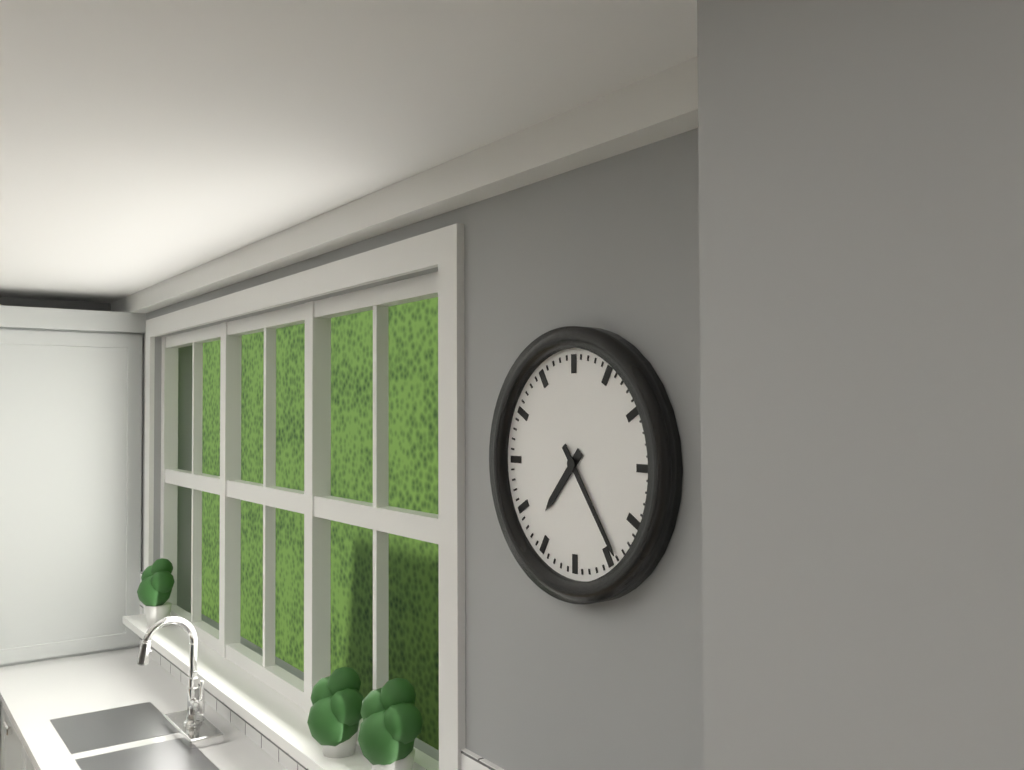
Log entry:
7h24
